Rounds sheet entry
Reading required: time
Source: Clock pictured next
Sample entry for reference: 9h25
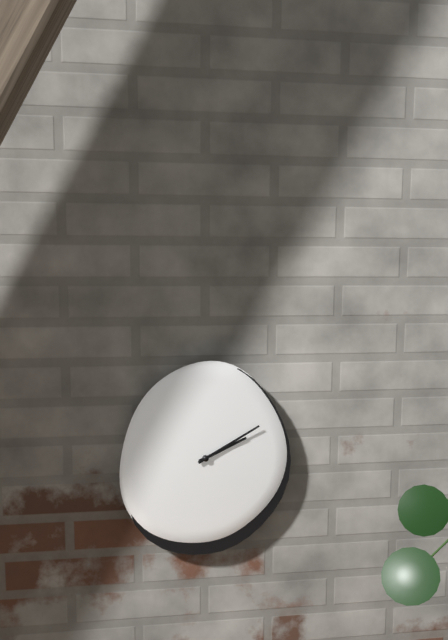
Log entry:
2h10
